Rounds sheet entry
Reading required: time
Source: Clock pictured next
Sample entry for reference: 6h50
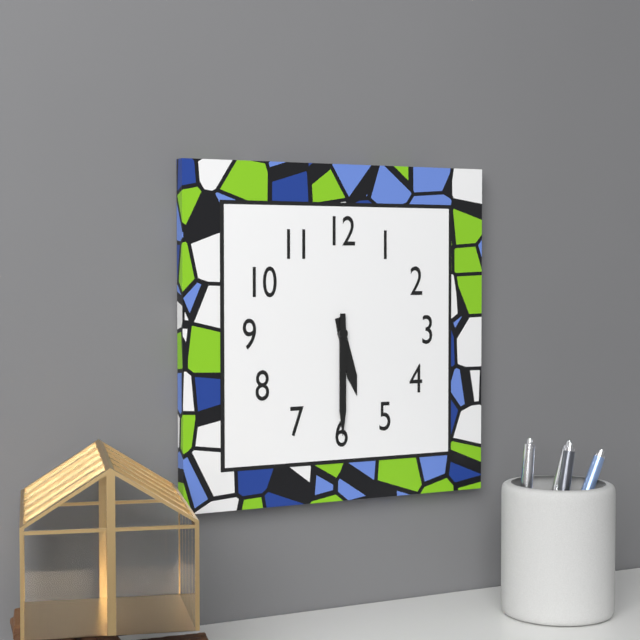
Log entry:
5h30
